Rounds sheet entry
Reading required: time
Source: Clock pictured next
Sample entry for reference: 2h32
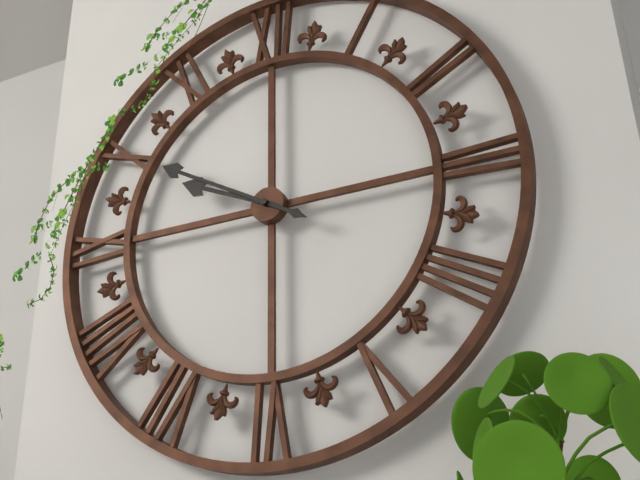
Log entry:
9h50
